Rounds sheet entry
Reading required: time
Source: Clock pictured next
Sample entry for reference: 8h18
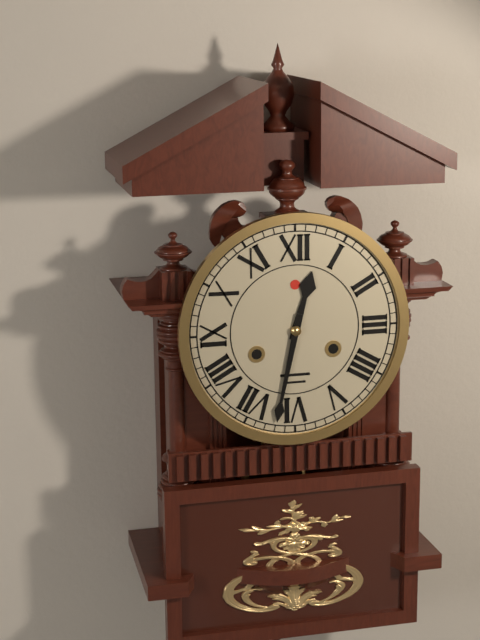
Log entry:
12h32
